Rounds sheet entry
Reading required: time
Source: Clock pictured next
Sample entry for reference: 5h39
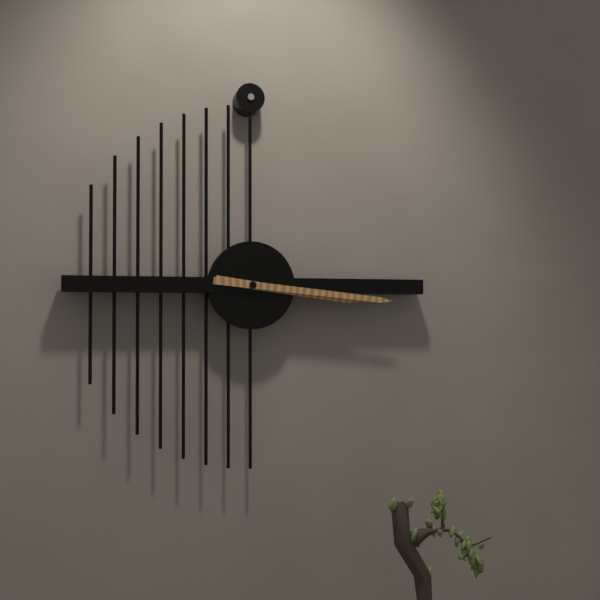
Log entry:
3h16
